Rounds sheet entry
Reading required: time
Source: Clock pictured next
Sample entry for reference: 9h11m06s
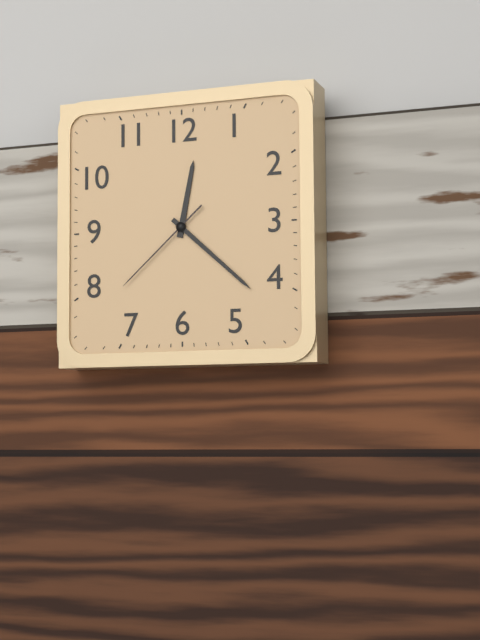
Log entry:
12h22m38s
